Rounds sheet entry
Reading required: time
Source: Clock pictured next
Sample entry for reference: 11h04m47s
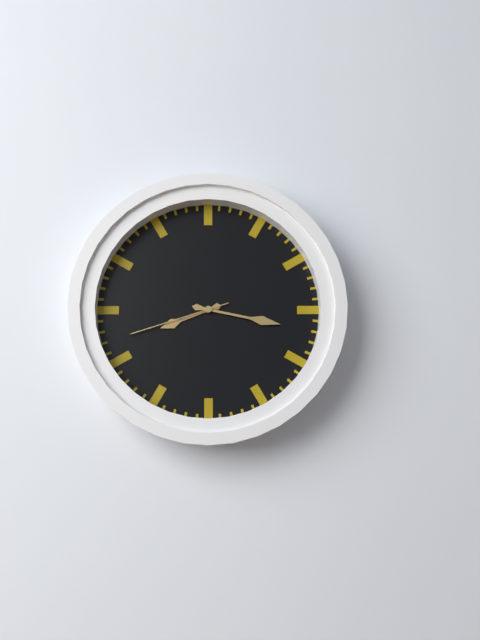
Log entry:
8h17m42s
